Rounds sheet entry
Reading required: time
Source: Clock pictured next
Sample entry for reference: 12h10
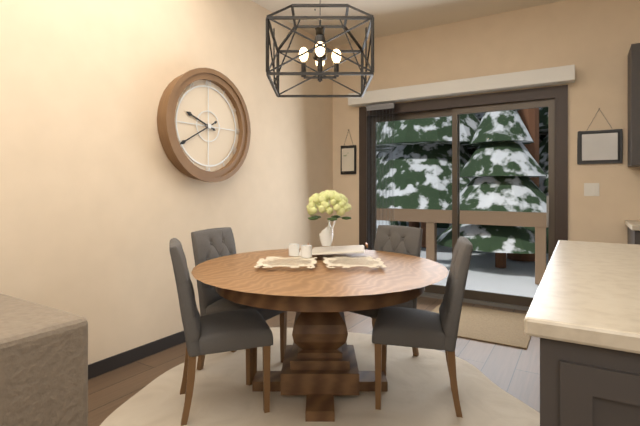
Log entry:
9h40
